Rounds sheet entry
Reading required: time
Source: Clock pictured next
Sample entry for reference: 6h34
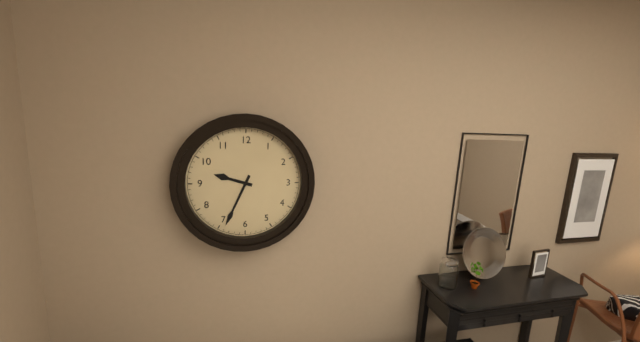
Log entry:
9h34
